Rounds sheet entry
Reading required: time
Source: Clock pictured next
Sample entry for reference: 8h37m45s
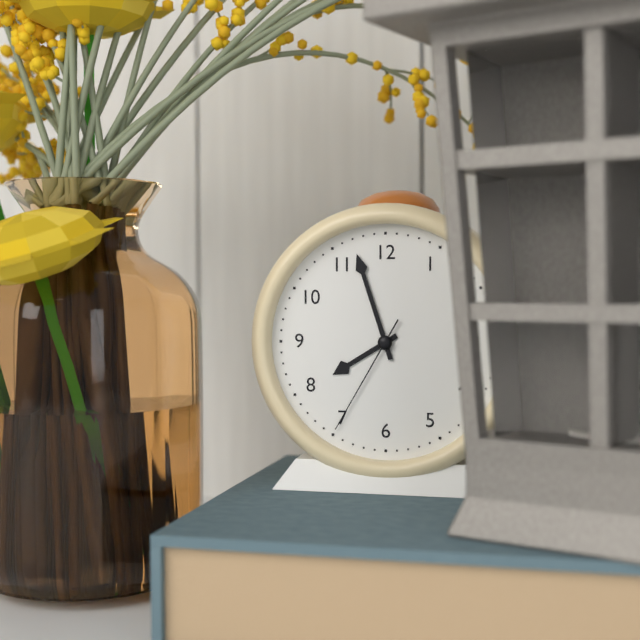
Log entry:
7h57m35s
